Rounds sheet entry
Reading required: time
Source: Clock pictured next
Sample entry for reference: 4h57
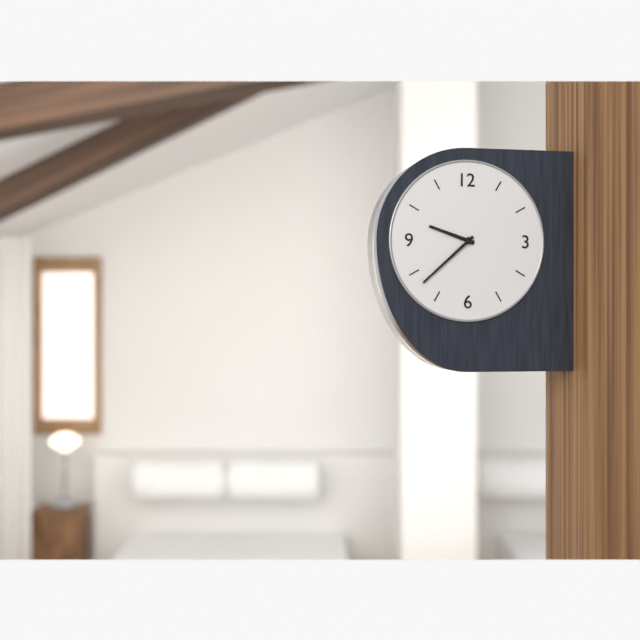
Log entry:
9h38
